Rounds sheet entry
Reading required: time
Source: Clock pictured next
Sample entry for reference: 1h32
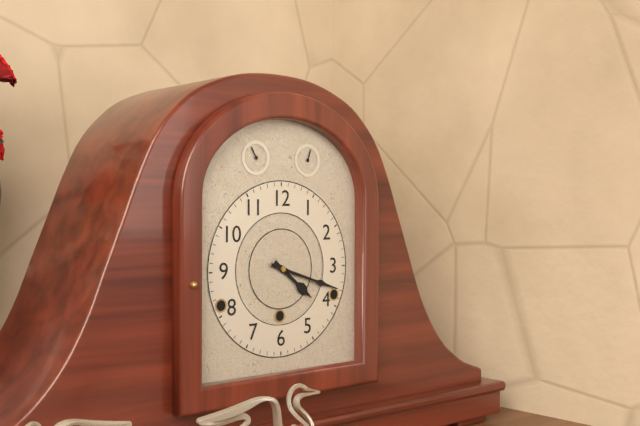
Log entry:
4h18
